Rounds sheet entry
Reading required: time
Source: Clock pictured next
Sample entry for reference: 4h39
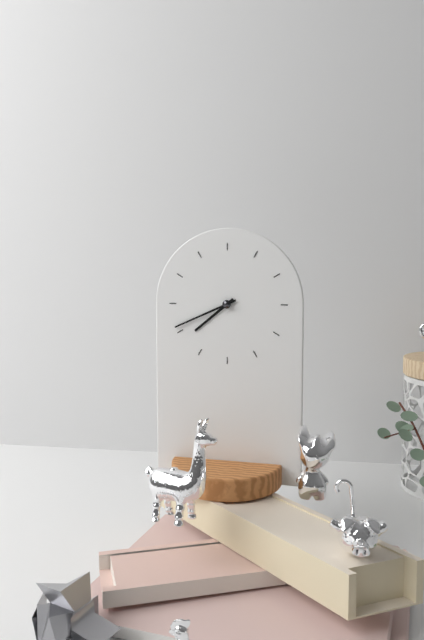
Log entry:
7h41
